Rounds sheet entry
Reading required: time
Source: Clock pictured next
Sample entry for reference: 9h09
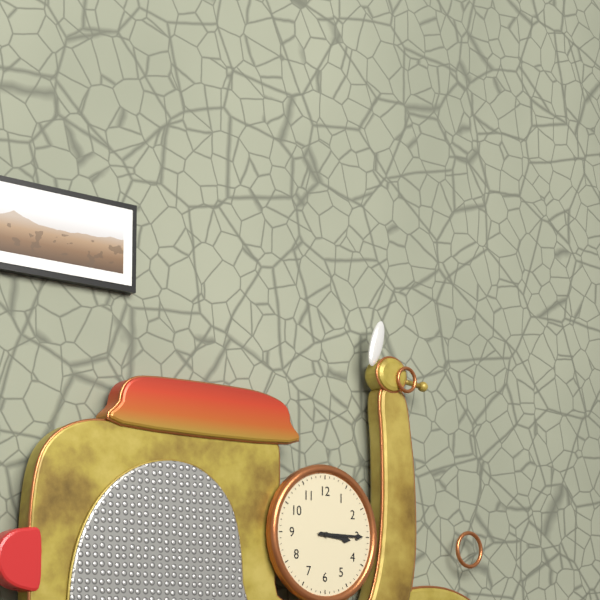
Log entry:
3h15
